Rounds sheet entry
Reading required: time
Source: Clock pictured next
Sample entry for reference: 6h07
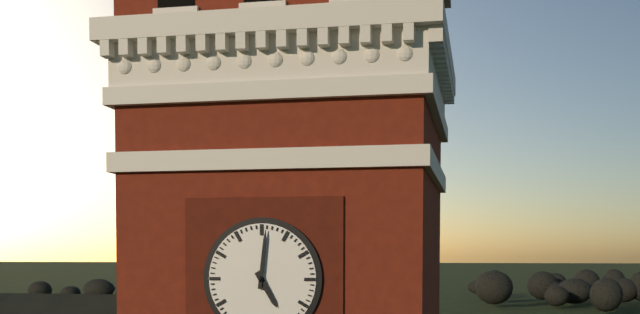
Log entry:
5h01
